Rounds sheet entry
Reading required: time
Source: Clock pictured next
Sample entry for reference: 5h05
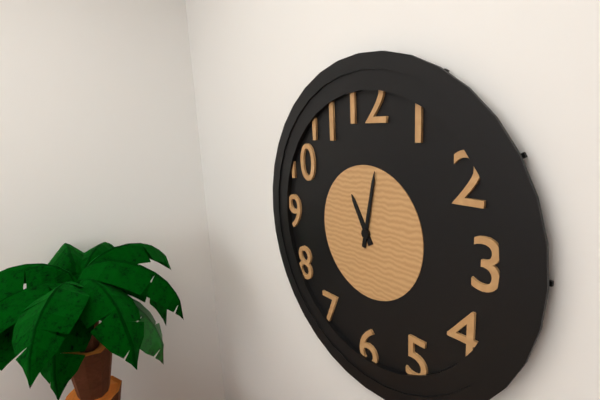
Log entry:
11h02
